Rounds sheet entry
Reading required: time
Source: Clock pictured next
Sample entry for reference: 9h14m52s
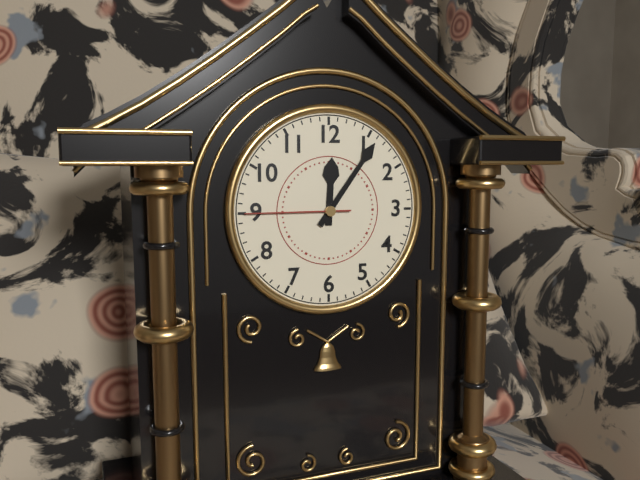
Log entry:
12h06m45s
